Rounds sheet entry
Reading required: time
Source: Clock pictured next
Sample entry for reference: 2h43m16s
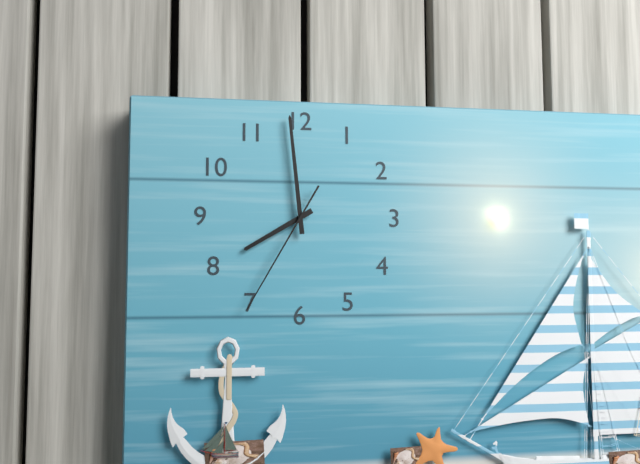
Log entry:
7h59m35s
